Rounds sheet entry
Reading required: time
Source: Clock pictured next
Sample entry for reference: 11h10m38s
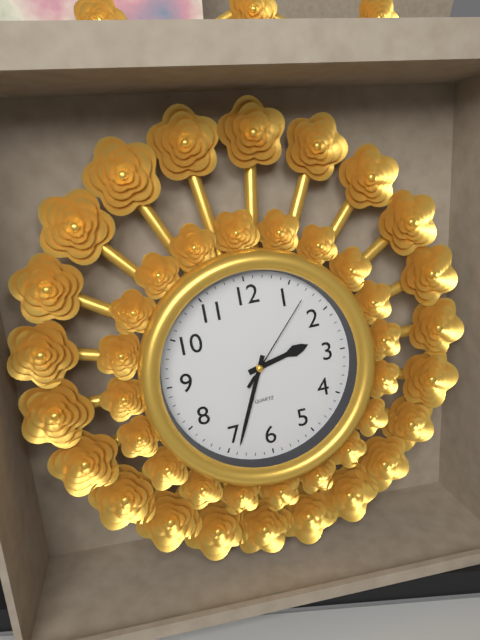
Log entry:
2h34m07s
